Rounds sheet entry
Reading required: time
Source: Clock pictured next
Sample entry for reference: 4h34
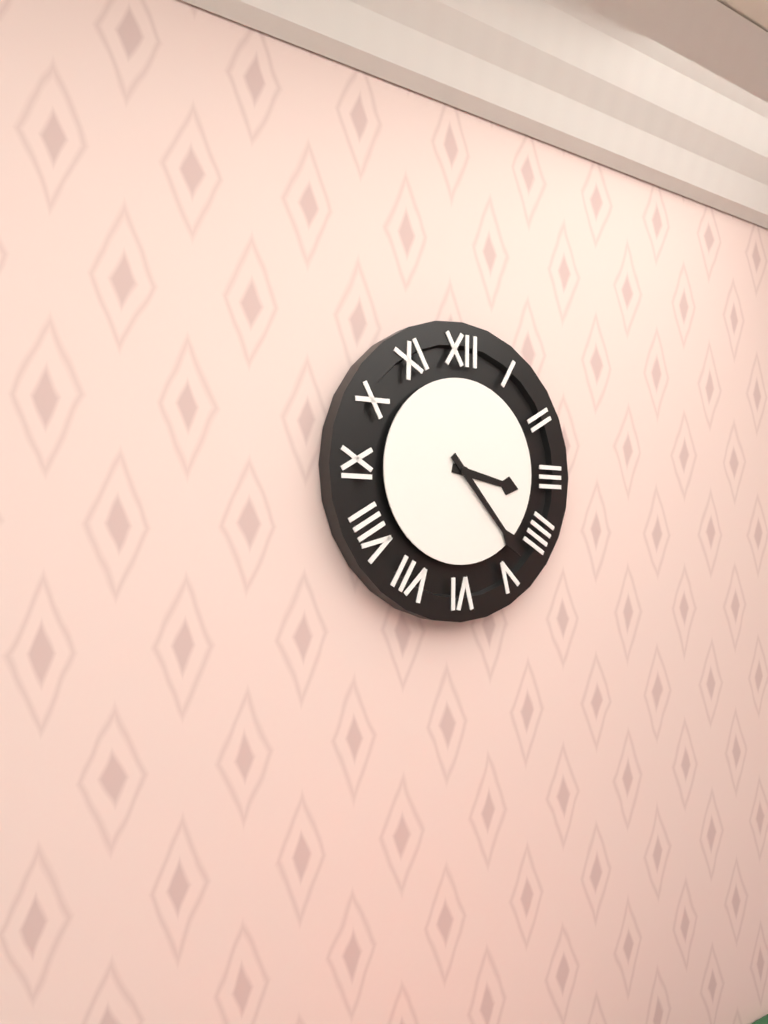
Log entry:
3h23
